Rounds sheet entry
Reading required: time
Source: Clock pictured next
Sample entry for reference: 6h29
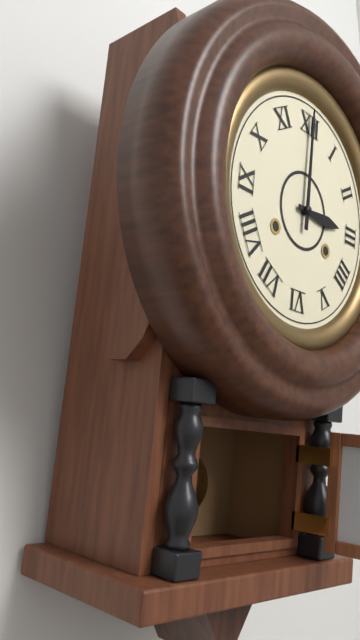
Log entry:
3h00
